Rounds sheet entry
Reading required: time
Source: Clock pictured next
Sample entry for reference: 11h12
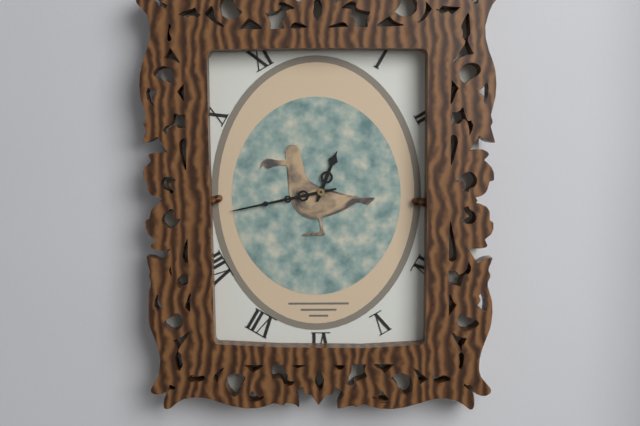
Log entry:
12h43
